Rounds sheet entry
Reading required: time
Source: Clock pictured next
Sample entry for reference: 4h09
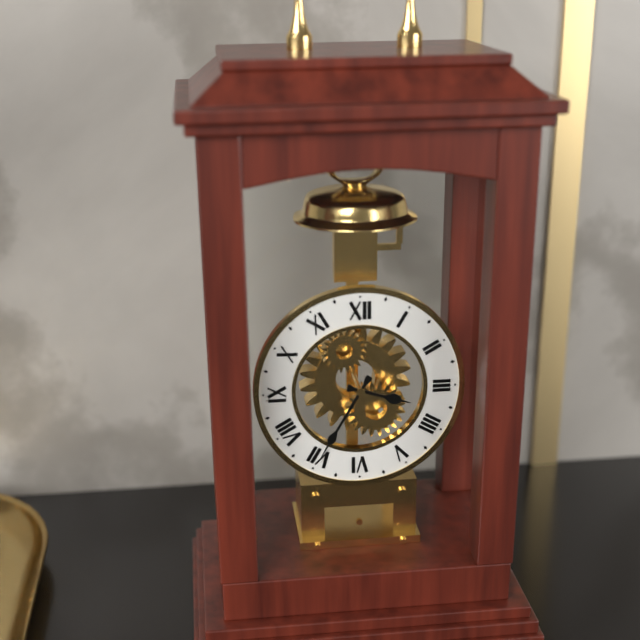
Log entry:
3h35
